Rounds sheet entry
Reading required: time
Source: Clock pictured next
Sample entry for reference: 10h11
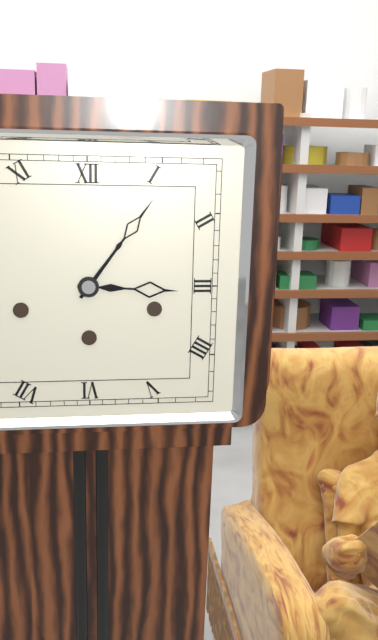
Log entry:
3h06
